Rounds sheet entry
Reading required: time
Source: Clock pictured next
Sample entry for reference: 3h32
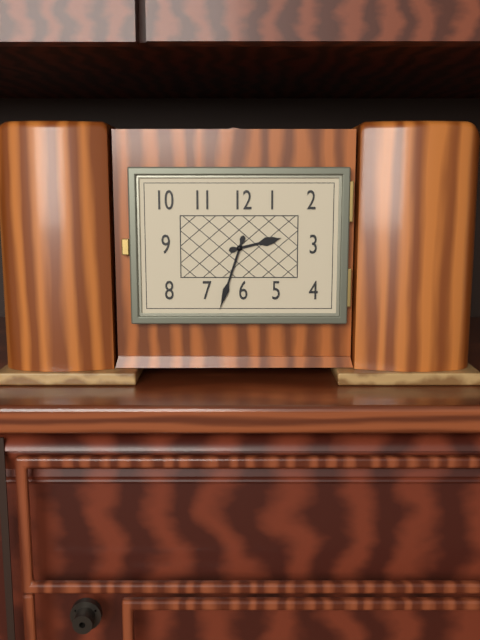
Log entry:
2h33
